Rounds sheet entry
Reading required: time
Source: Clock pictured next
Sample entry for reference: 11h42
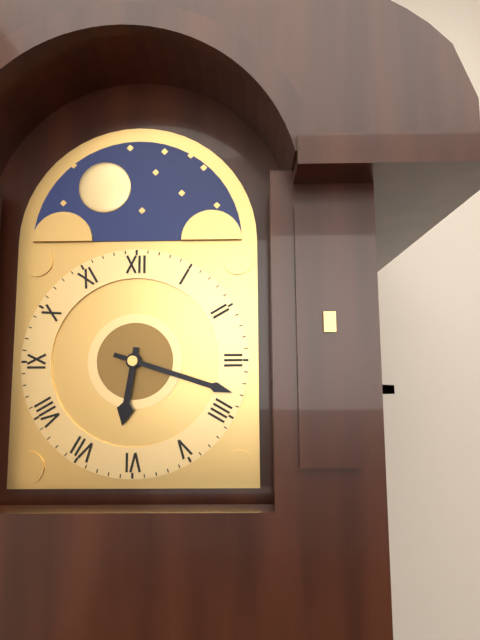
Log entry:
6h18
